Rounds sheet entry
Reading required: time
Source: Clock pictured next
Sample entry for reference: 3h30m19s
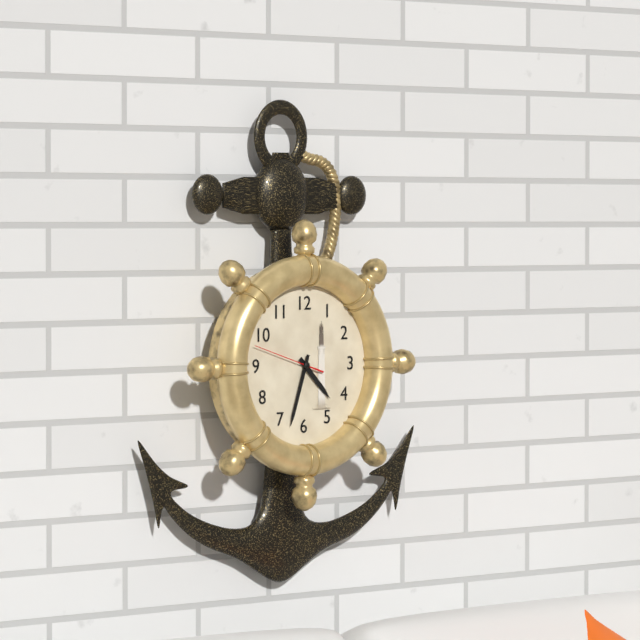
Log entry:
4h33m48s
